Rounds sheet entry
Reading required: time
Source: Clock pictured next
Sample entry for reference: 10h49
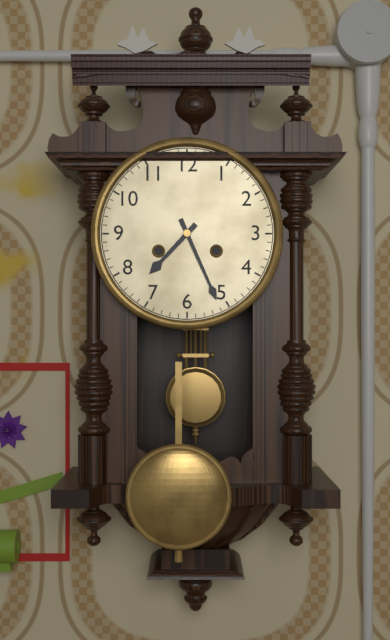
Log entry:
7h26
